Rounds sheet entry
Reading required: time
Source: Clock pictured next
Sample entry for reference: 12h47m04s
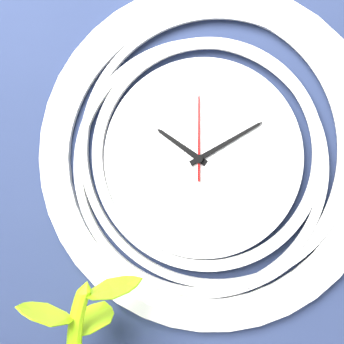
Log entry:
10h10m00s
